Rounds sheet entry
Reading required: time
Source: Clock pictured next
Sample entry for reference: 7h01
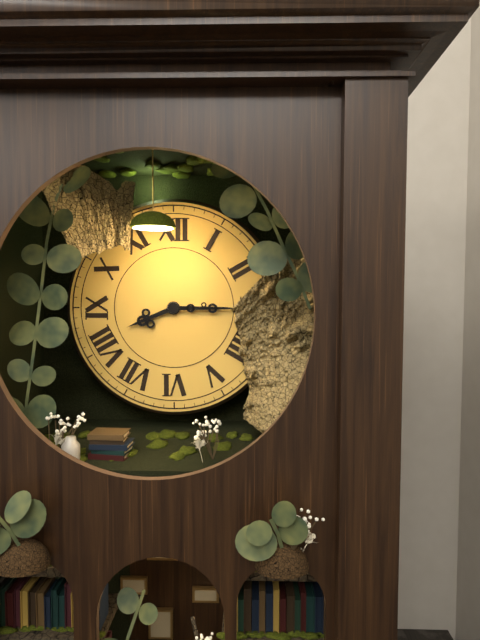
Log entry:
8h15
